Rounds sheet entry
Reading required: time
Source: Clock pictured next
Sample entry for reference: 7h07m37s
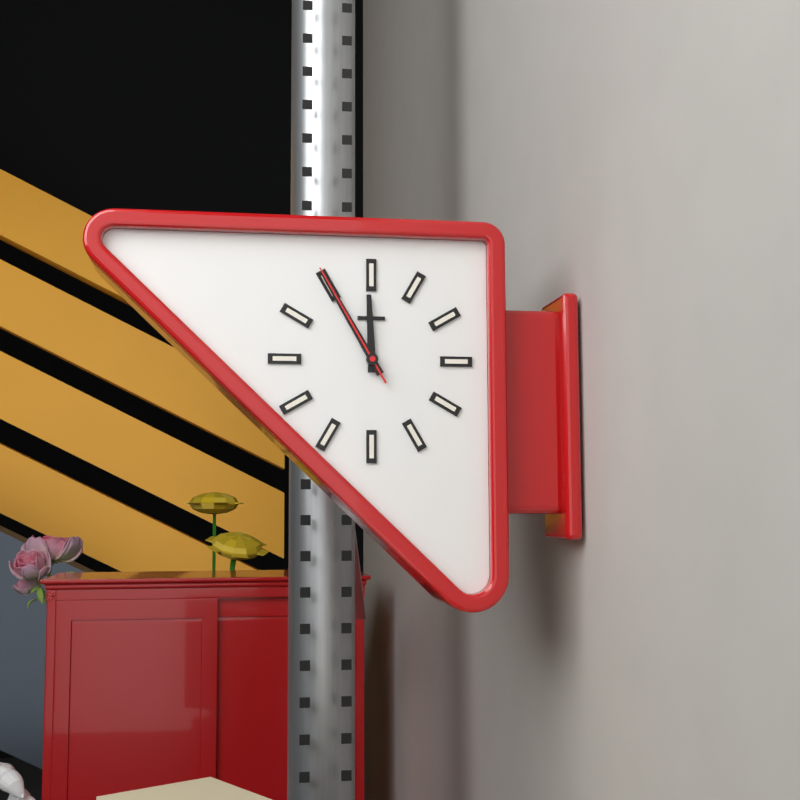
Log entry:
11h55m55s
